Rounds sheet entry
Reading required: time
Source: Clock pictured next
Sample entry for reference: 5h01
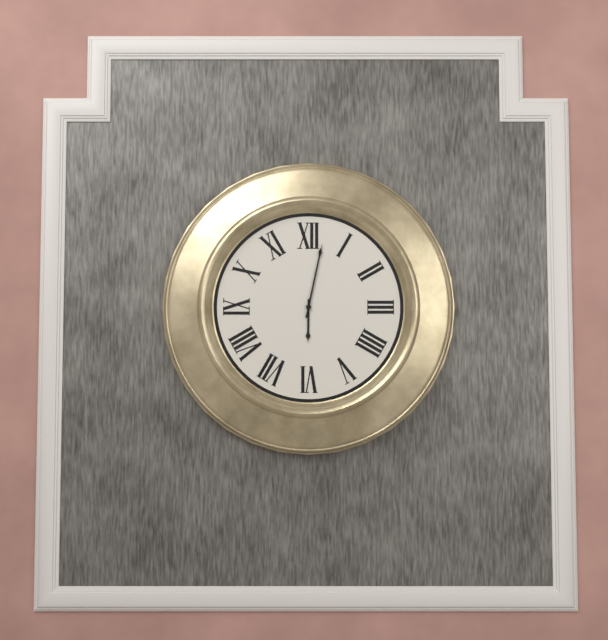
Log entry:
6h02
